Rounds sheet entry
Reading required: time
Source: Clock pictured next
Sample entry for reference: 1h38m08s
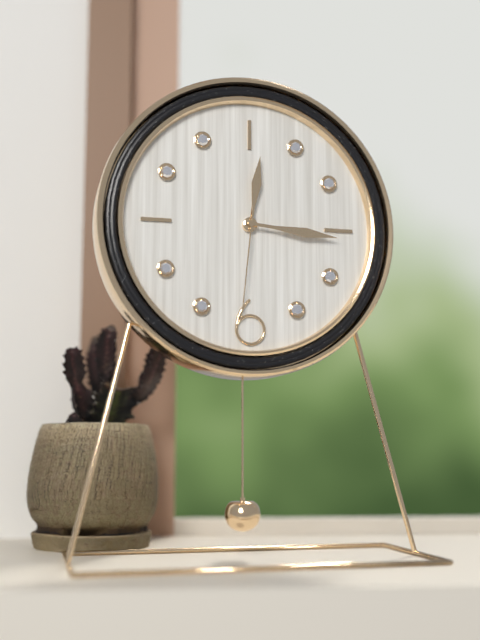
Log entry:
12h16m31s
